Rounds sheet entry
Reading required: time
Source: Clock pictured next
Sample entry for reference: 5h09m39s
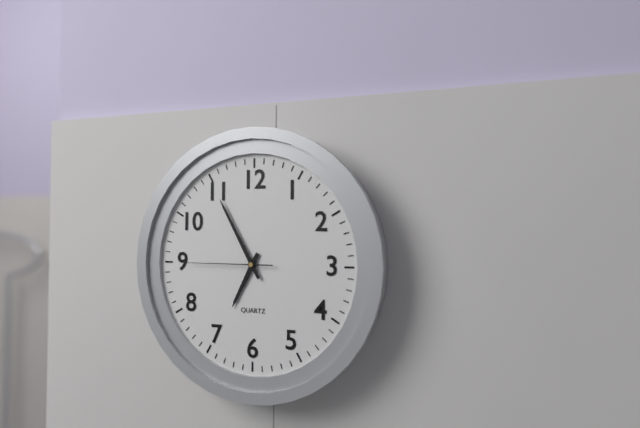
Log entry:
6h55m45s
